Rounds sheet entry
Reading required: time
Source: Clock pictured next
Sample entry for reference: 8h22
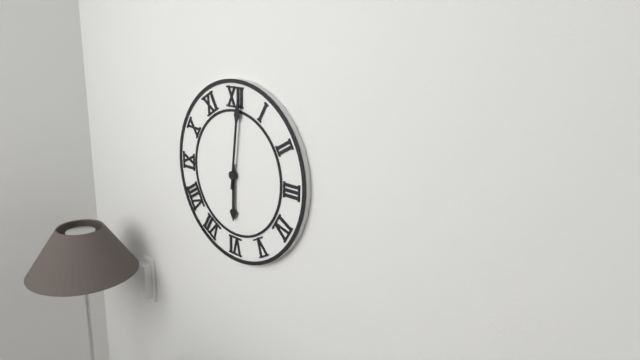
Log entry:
6h01
